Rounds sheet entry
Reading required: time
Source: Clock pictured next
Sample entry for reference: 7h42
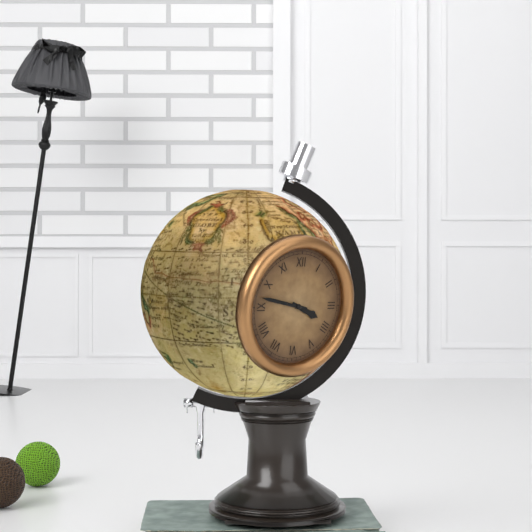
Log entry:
3h47
